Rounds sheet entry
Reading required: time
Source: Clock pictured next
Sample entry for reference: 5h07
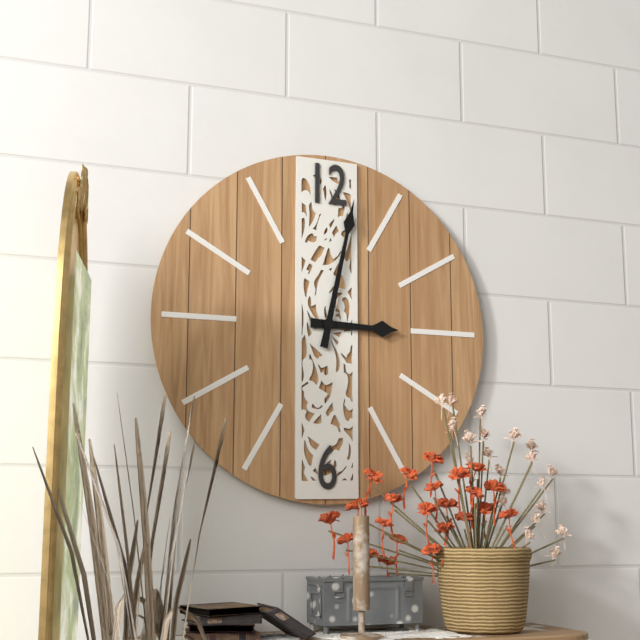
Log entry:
3h02
